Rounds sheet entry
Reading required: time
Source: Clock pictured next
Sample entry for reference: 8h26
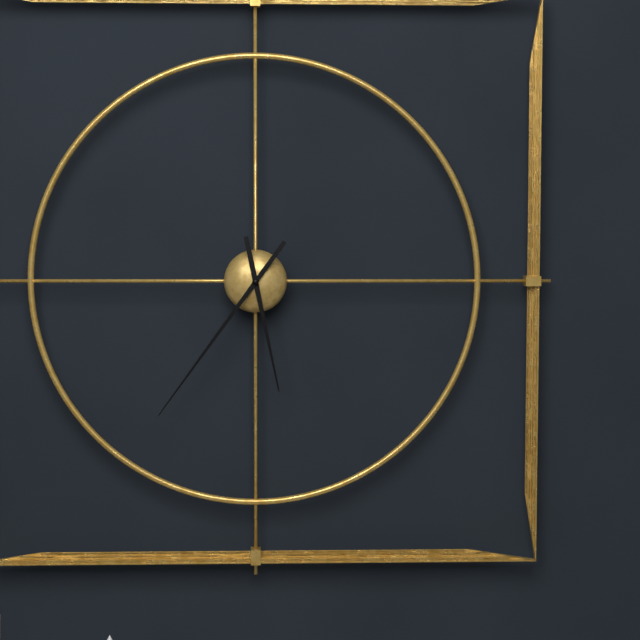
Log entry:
5h36
